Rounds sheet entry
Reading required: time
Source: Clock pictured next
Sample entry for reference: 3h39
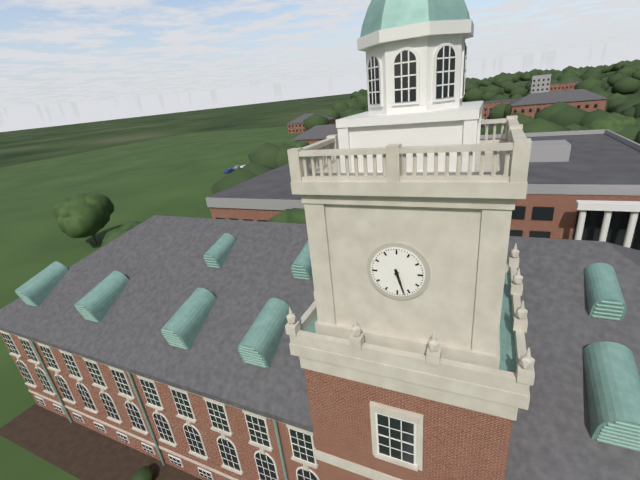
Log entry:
5h27
